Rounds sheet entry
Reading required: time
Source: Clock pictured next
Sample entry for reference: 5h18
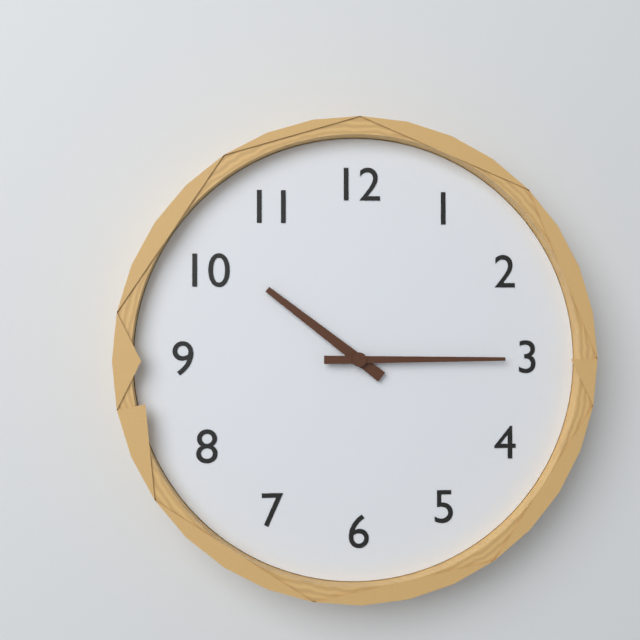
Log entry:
10h15
